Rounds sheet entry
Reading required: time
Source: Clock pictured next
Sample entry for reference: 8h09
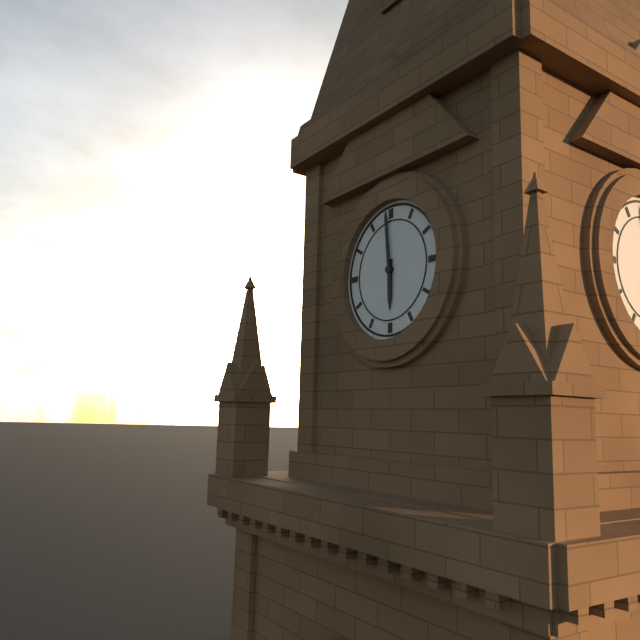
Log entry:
5h59
